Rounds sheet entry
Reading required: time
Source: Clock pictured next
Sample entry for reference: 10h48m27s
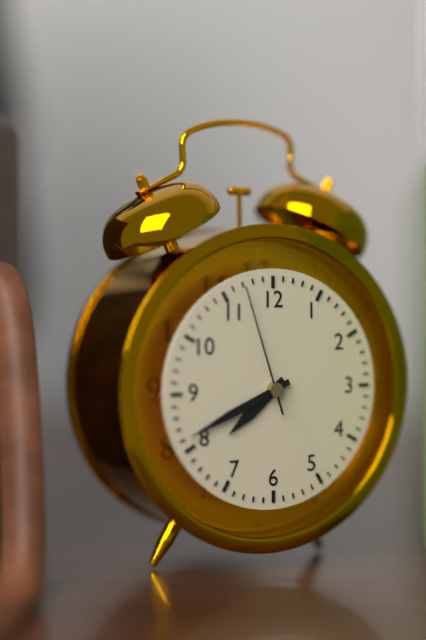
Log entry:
7h41m57s
